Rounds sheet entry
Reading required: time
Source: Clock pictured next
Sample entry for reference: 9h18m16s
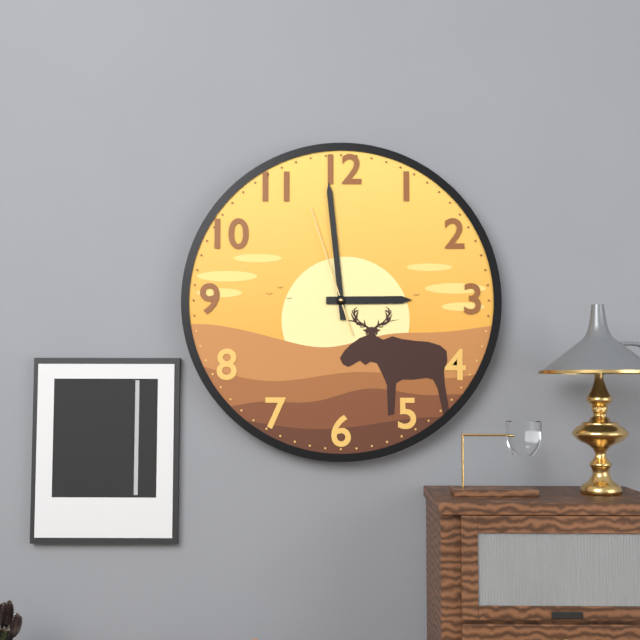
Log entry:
2h59m57s
